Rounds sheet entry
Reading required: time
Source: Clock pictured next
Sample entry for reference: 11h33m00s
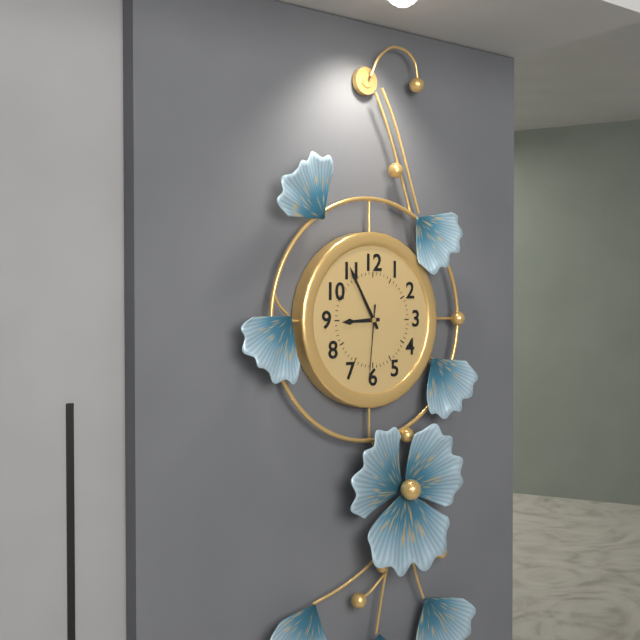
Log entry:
8h55m31s
